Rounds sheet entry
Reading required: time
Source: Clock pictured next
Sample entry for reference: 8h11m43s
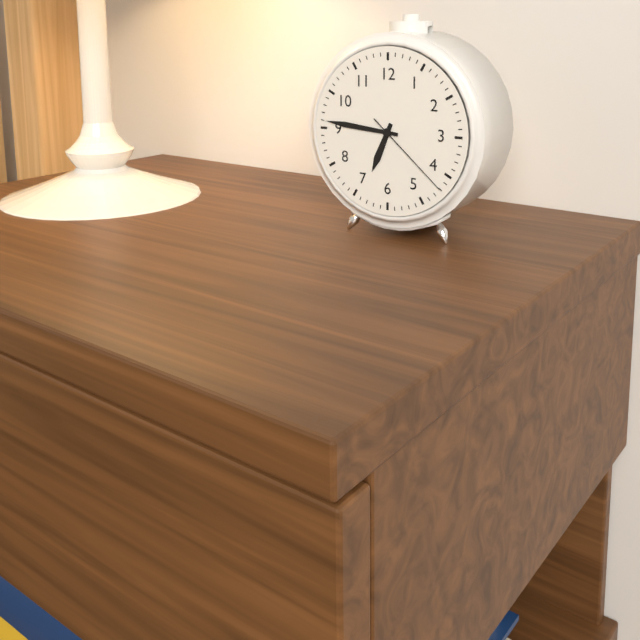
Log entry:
6h46m22s
